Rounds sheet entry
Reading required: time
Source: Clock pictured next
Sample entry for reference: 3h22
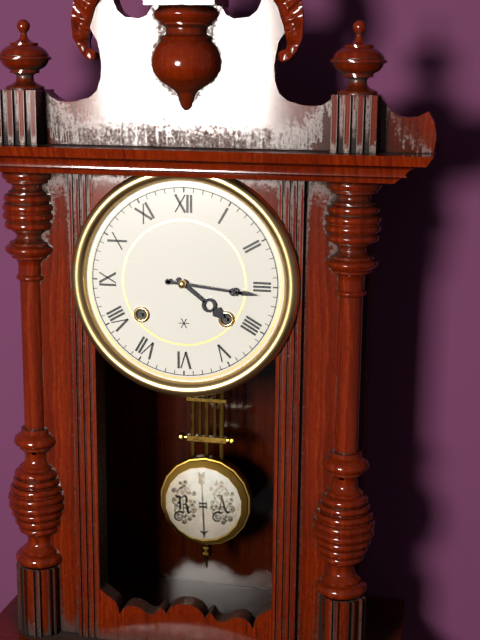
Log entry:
4h16
